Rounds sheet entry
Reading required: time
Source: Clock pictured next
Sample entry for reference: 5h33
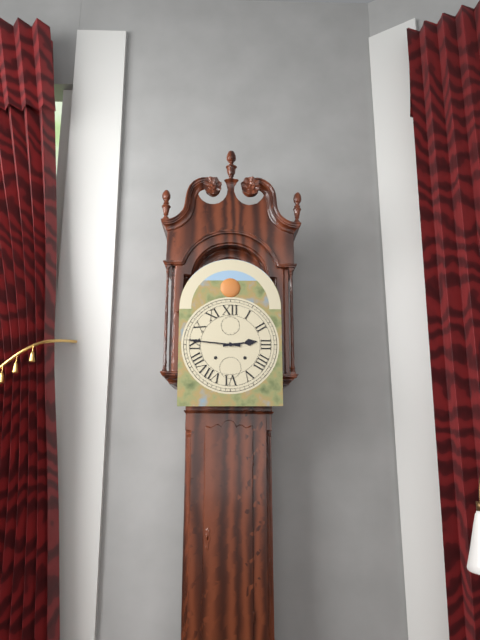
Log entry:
2h46
